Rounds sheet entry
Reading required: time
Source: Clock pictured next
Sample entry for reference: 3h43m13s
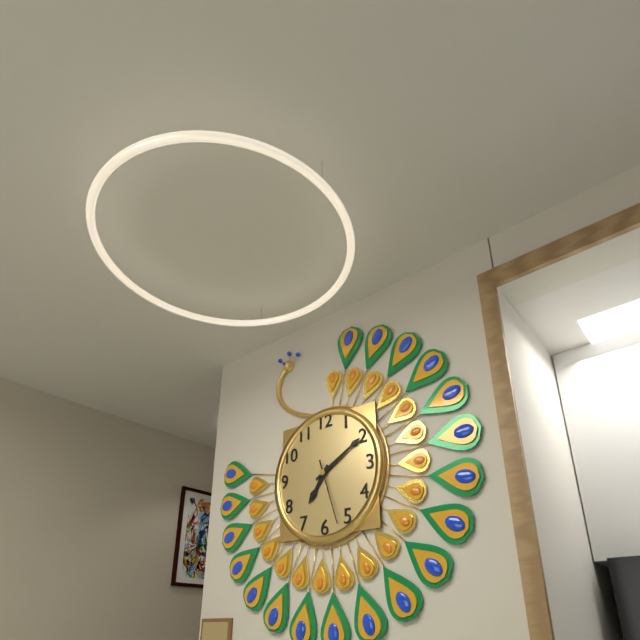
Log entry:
7h10m27s
